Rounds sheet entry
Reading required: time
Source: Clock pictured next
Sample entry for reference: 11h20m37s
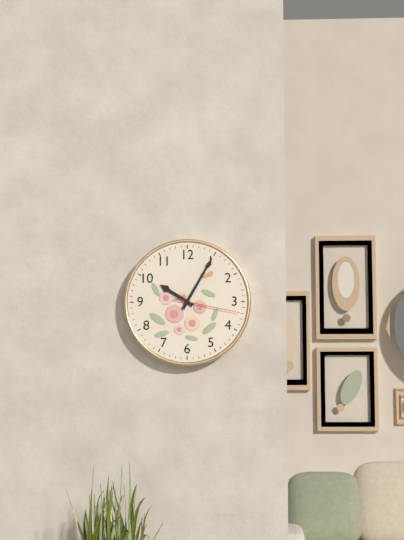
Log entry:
10h05m17s
